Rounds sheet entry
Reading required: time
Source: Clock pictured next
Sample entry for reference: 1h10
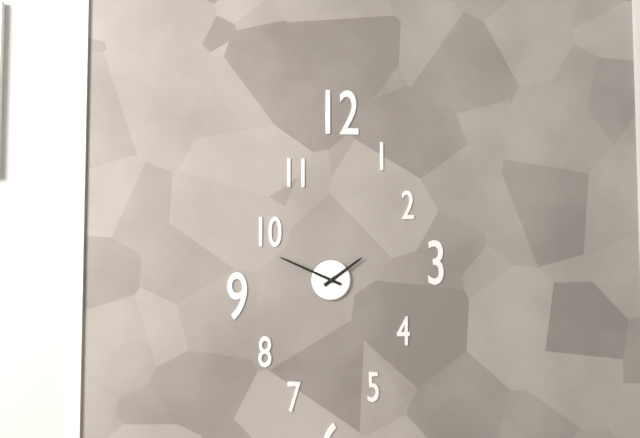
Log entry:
1h49
